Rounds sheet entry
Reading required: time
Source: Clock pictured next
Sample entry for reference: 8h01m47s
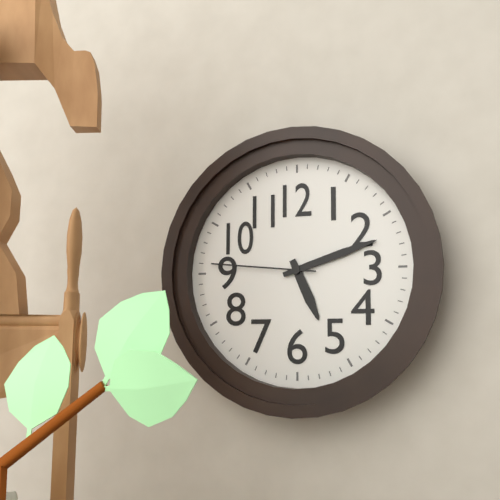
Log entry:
5h12m46s
